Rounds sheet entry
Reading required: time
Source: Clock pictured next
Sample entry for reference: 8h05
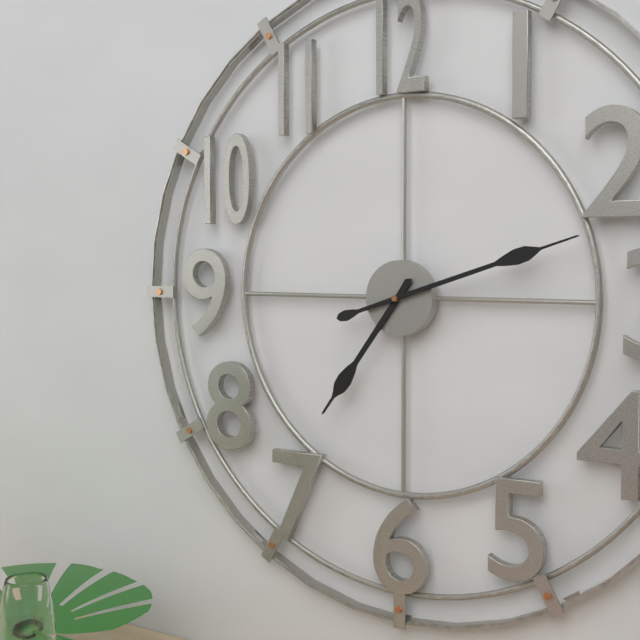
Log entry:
7h12
